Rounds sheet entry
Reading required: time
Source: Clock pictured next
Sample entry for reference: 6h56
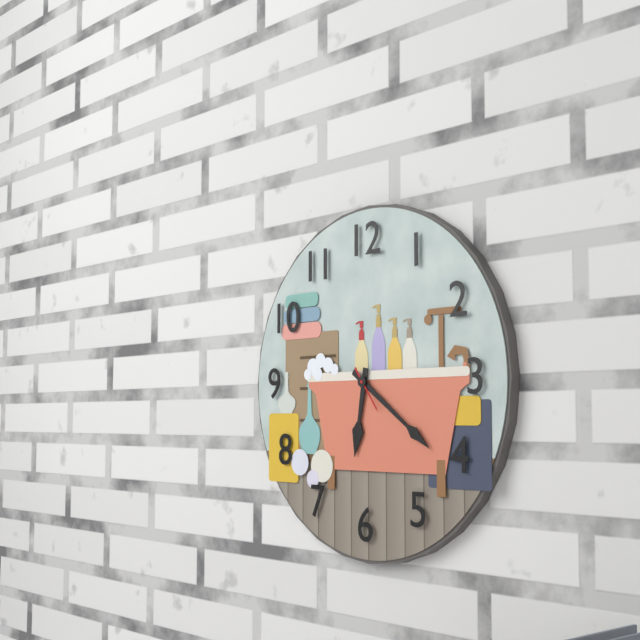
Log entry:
6h21
